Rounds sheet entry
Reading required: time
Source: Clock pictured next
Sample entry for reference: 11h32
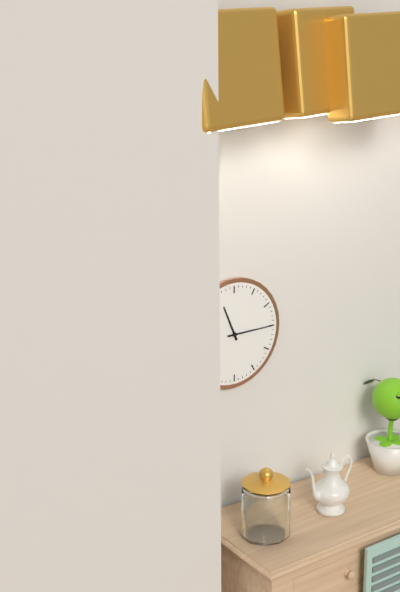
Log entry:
11h15
